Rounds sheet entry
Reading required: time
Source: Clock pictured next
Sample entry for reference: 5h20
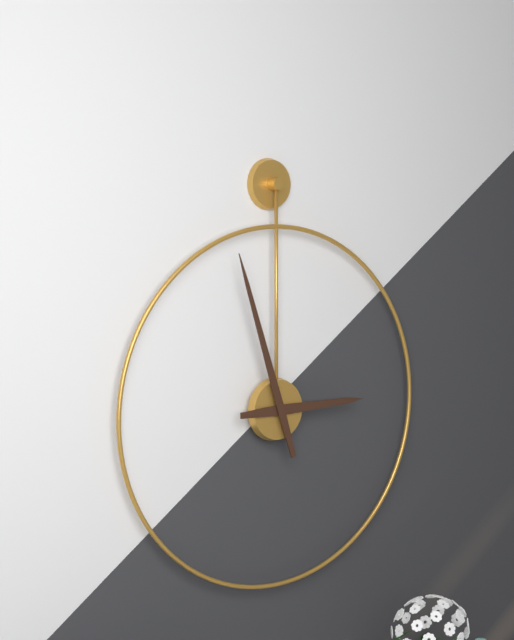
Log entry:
2h57
